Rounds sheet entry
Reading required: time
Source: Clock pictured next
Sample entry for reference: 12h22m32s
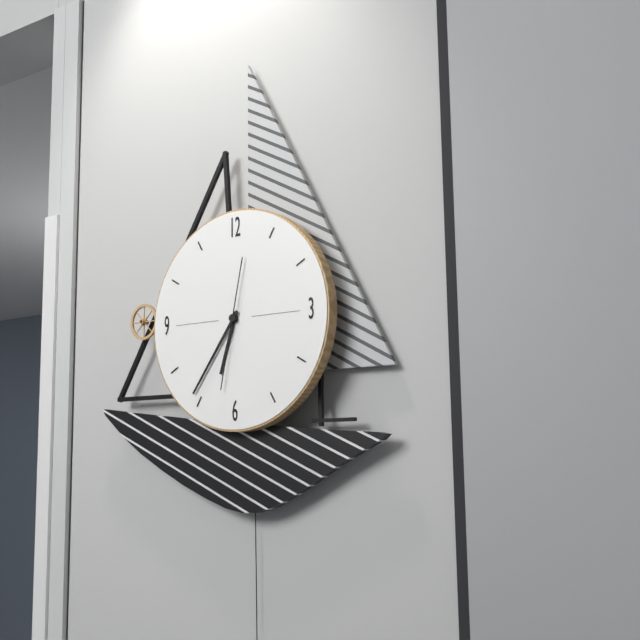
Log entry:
6h36m32s
